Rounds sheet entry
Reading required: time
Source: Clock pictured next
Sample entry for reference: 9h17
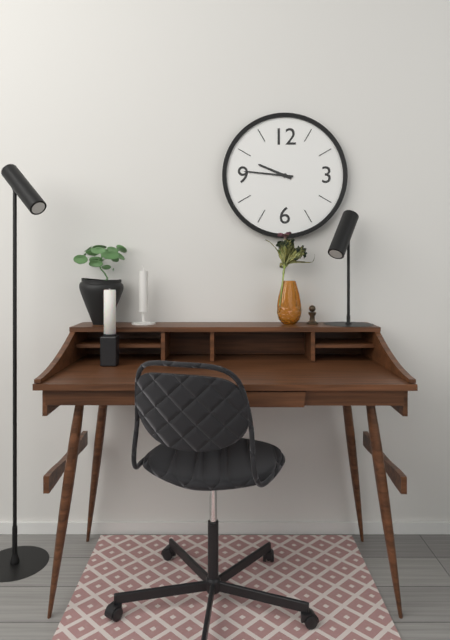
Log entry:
9h46
